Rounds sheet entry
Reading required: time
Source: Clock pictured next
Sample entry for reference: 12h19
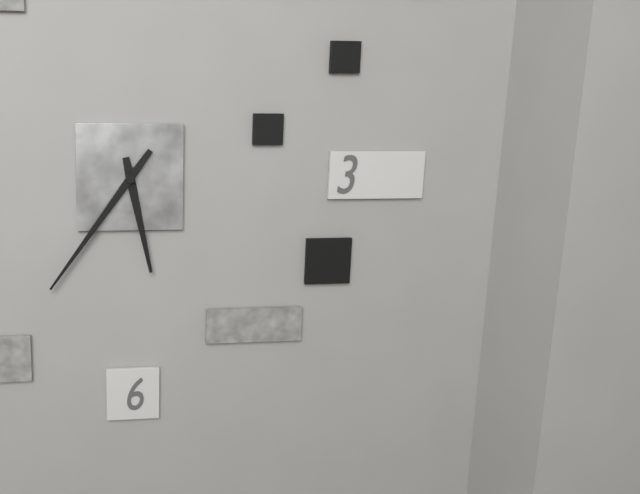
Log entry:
5h36
